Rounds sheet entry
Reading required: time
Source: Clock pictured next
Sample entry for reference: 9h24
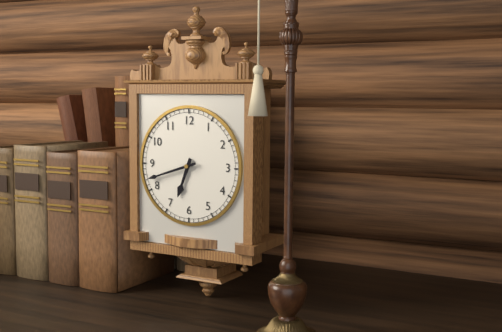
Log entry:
6h42
